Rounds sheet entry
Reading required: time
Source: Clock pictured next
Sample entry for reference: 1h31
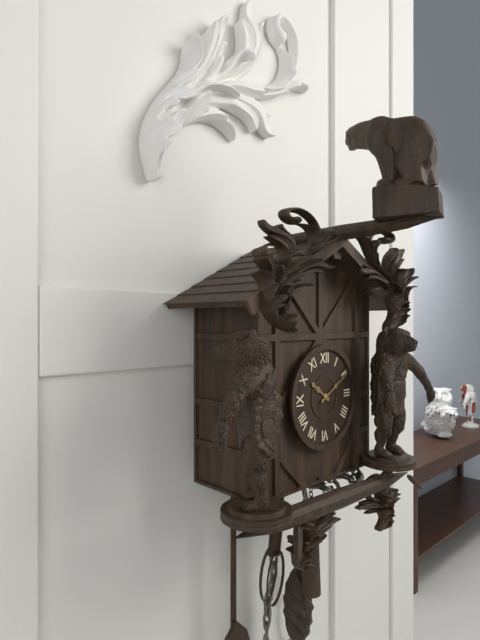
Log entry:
10h10
